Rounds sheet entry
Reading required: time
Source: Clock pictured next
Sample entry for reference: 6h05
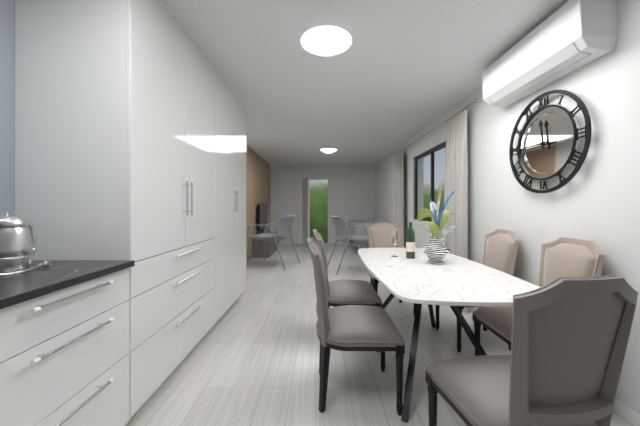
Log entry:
11h45
